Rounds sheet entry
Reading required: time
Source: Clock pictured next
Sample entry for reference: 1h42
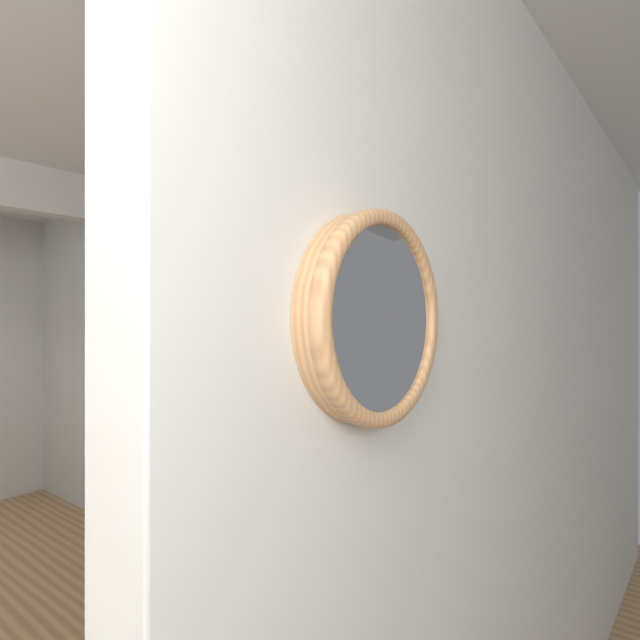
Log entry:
8h39
